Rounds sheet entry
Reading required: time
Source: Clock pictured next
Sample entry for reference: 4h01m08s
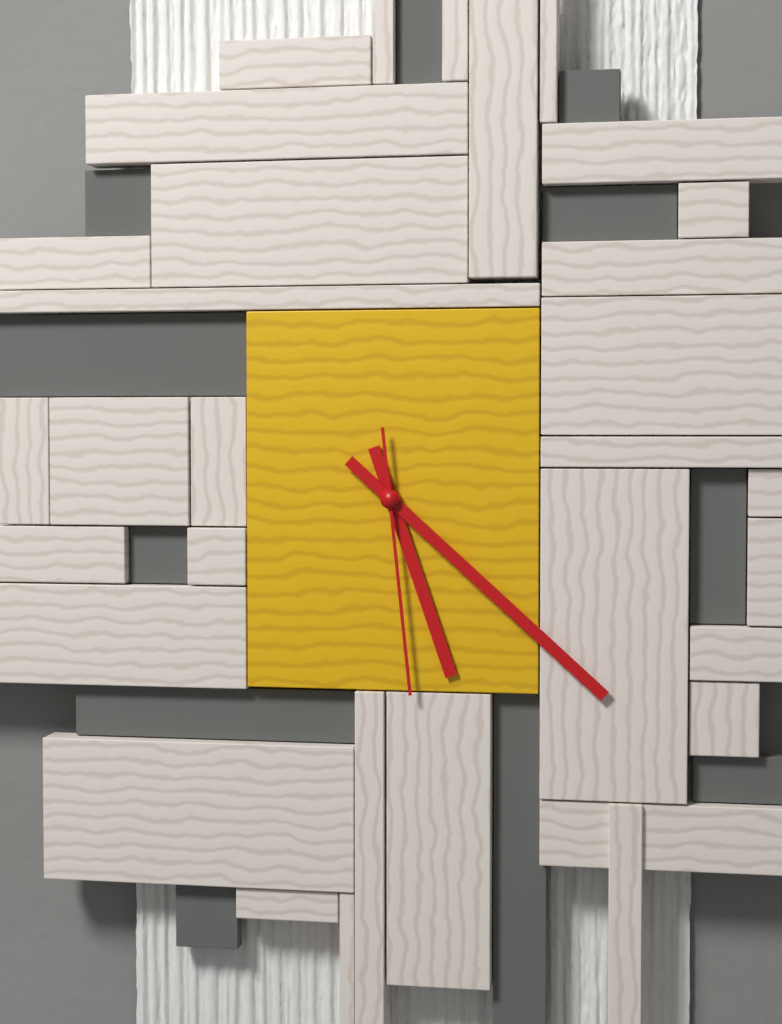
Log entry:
5h22m29s
